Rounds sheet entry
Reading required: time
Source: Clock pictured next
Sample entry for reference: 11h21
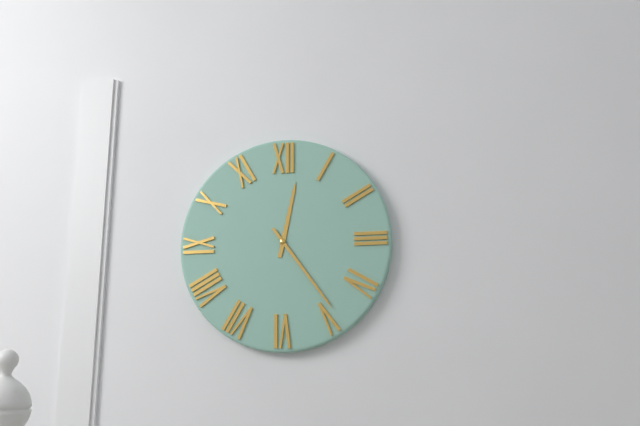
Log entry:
12h24
